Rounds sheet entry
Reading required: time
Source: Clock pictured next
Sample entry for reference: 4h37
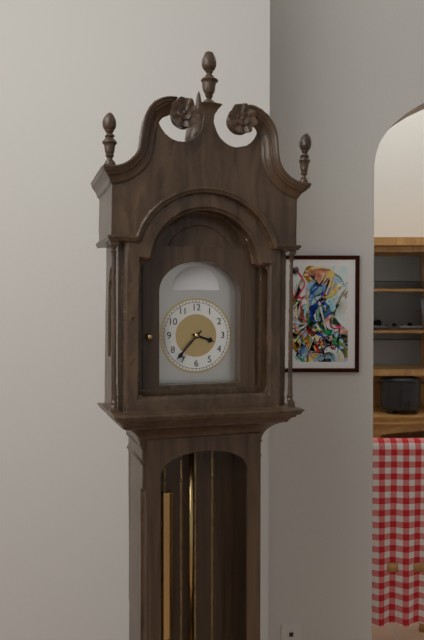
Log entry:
3h37
